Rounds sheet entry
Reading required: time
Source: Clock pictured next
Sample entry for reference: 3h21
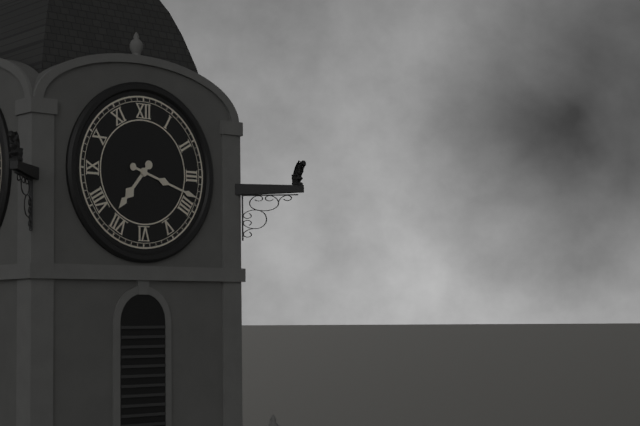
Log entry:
7h18
